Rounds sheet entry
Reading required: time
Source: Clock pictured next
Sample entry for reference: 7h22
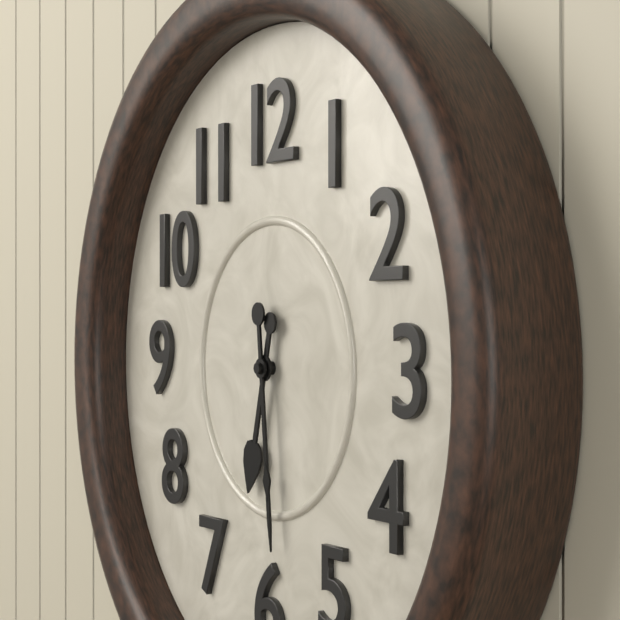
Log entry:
6h29
